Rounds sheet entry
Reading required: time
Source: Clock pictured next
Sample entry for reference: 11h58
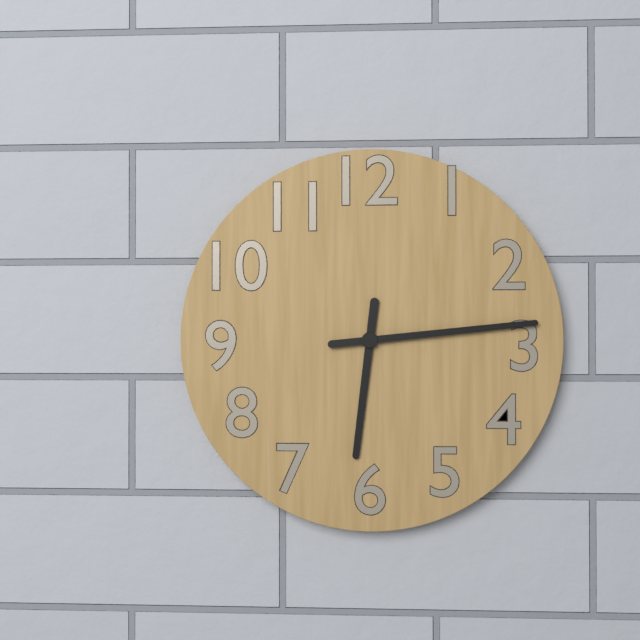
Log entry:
6h14
